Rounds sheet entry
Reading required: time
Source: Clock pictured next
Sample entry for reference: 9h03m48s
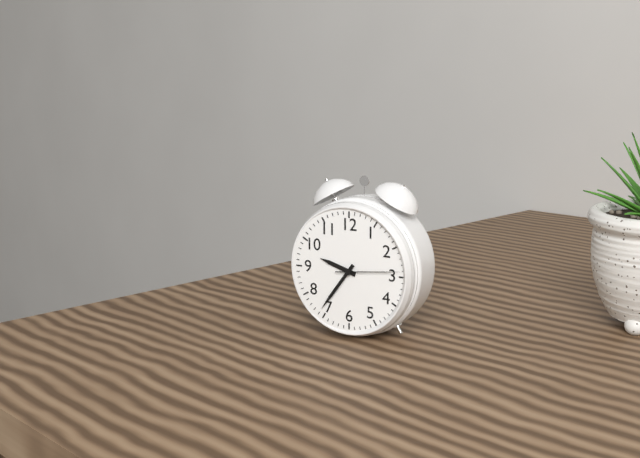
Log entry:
9h36m14s
